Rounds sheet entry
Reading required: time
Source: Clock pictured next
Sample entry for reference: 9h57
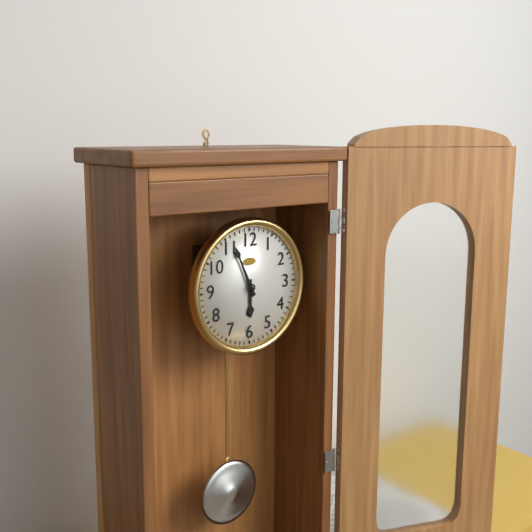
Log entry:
5h56
